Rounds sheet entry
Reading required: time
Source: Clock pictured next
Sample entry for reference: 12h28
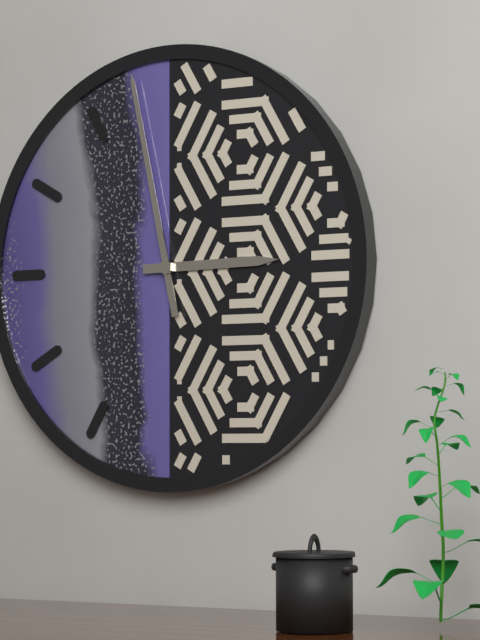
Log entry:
2h58
